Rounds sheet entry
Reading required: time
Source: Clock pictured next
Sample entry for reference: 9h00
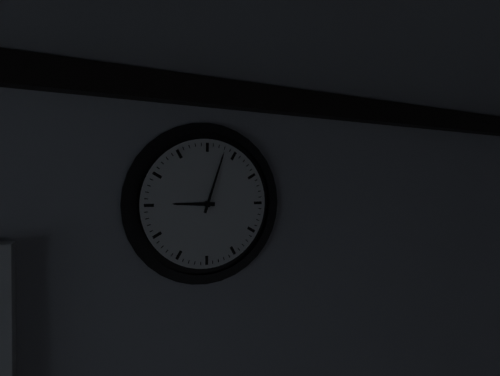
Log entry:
9h03
